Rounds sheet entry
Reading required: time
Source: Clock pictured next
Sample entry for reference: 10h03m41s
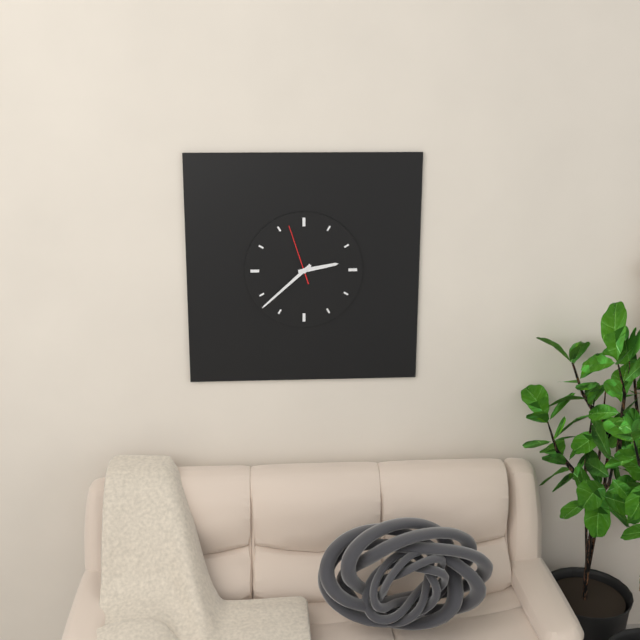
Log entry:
2h38m57s
